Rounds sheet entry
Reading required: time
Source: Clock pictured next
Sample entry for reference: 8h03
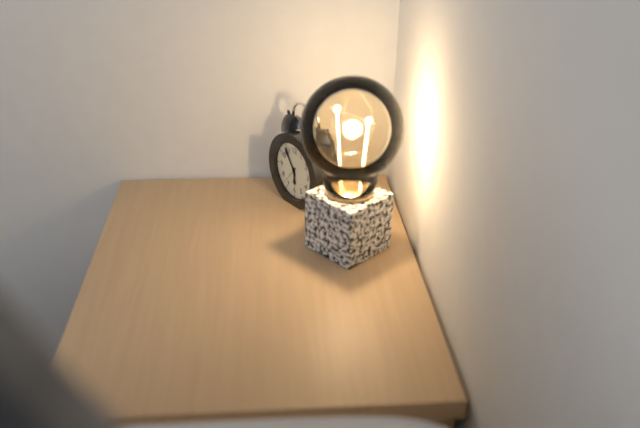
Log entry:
5h54
